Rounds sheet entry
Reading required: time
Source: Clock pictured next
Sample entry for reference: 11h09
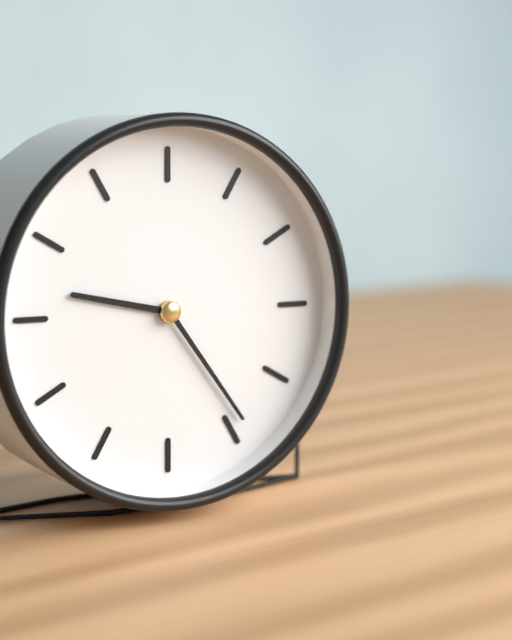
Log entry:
9h24
